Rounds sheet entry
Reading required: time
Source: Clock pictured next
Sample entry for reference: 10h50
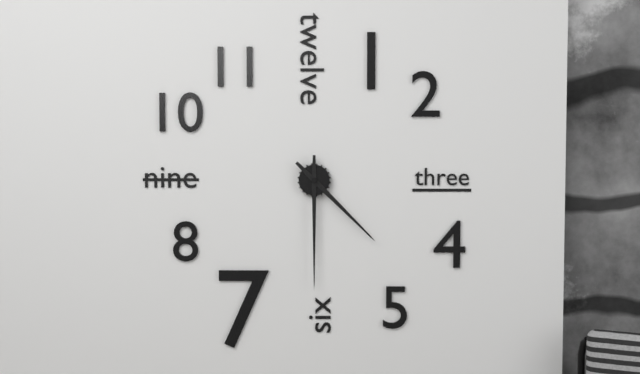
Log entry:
4h30
